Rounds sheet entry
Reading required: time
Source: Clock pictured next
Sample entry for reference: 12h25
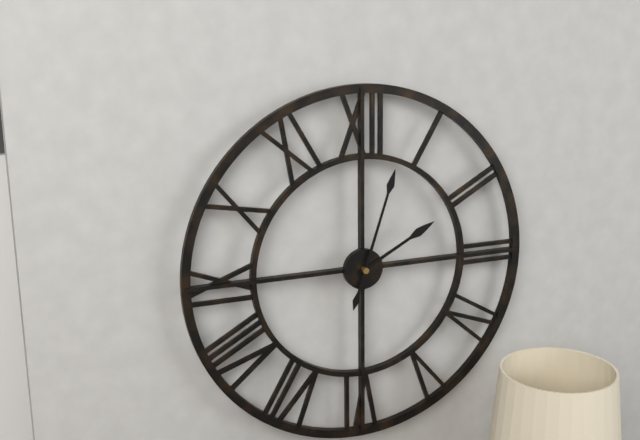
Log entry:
2h03
